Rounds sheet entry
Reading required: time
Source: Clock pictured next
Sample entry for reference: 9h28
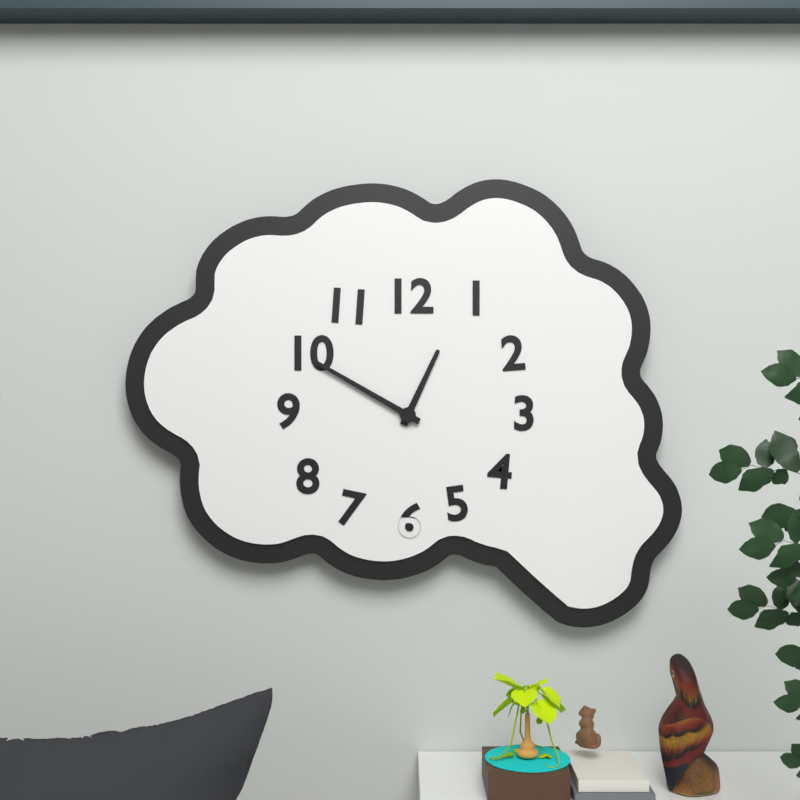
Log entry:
12h50
